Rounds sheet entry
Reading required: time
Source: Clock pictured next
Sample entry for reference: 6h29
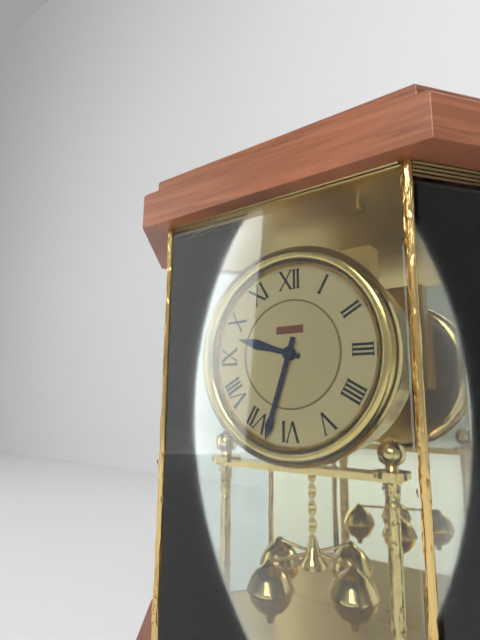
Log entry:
9h33
